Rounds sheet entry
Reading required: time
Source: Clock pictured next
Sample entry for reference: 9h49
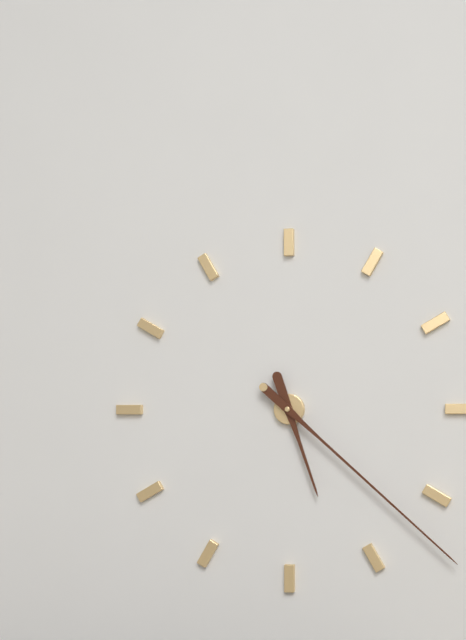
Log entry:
5h22
